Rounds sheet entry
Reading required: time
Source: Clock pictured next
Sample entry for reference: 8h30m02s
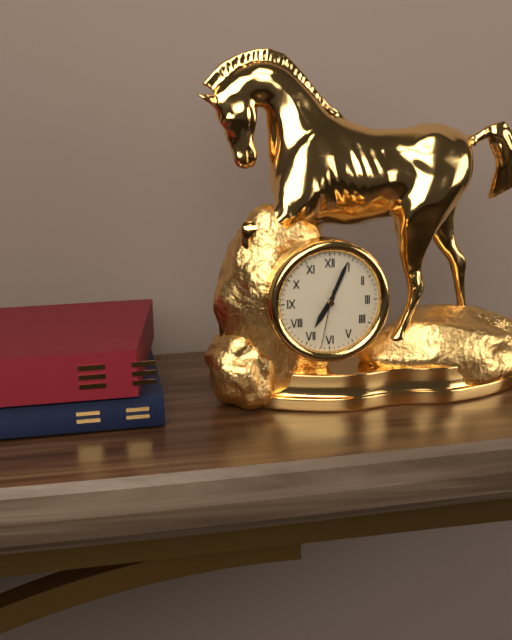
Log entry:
7h04m32s
